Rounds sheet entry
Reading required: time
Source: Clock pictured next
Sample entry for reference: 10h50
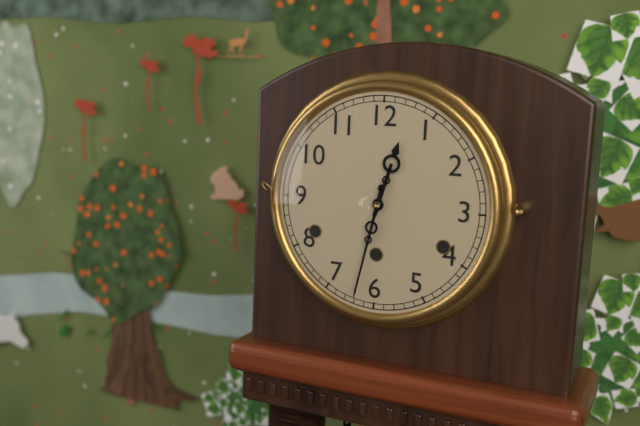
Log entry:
12h32
